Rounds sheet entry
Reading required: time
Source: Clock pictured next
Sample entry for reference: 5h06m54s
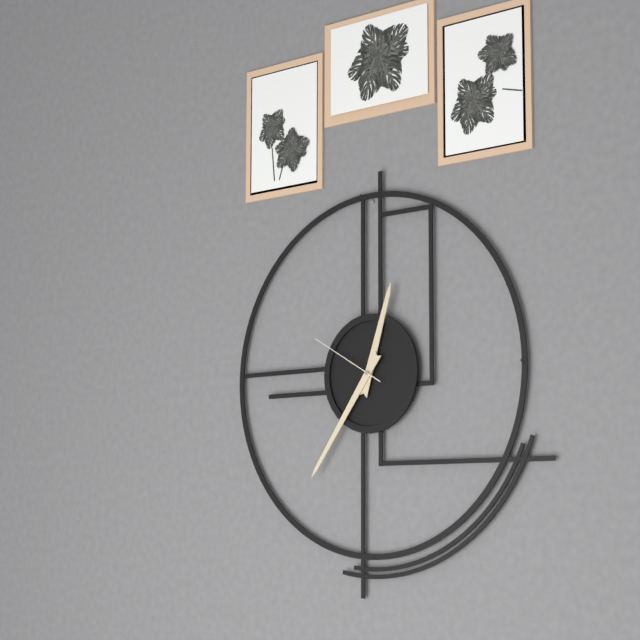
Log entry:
12h36m50s
